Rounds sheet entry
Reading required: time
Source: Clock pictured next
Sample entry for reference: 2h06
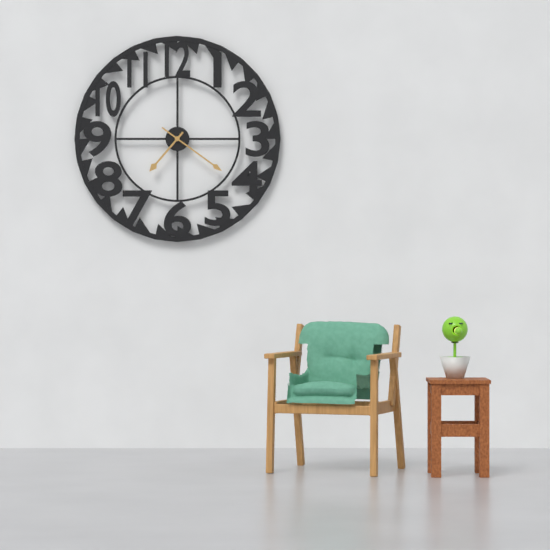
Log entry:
7h21
